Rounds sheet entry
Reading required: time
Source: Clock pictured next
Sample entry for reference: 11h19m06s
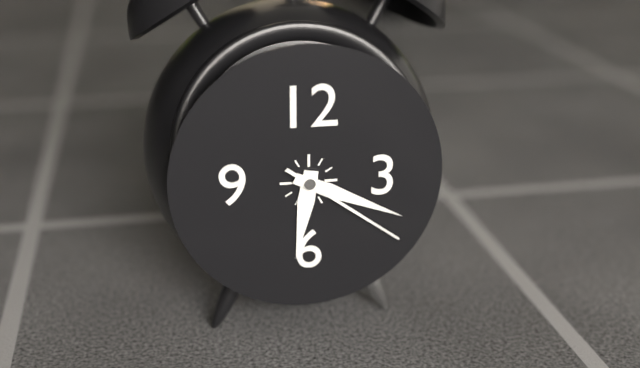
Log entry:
6h19m21s
